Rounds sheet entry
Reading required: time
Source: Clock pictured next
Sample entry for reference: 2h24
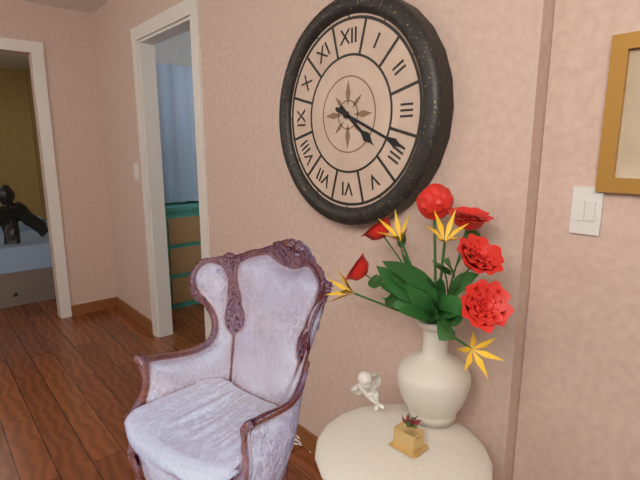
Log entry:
4h19
